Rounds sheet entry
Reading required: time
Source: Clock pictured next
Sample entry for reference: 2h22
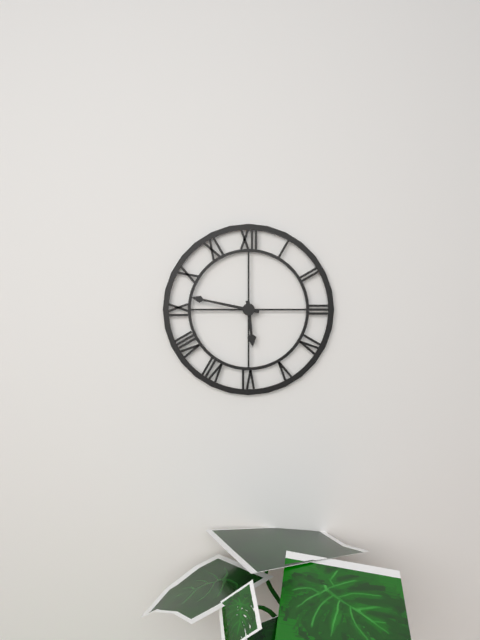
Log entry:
5h47
